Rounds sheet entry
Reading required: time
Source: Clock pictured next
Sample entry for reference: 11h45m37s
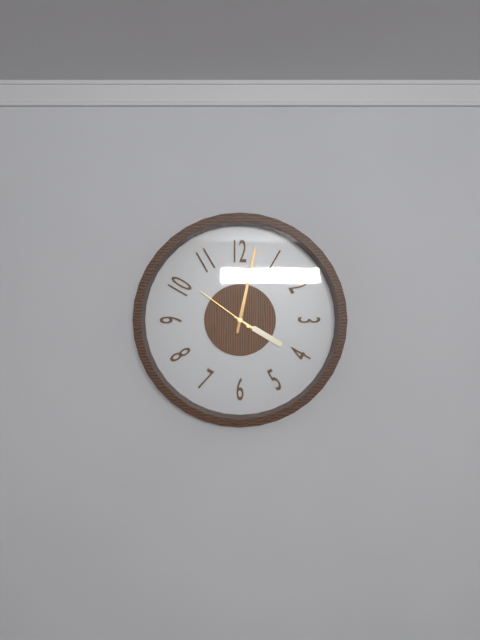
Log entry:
4h02m51s
